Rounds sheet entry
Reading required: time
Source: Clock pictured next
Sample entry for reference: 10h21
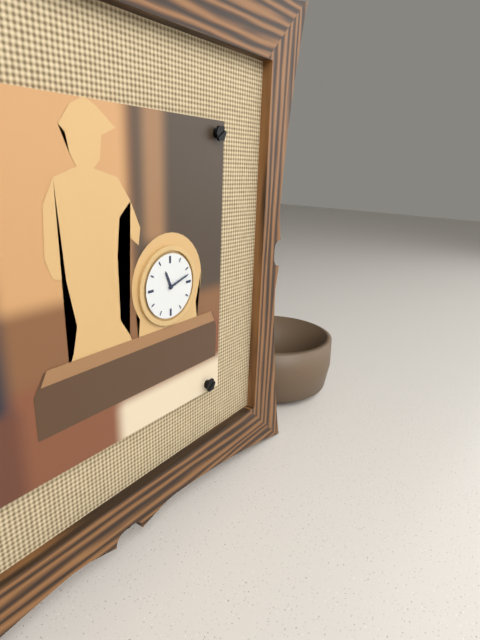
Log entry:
11h12
